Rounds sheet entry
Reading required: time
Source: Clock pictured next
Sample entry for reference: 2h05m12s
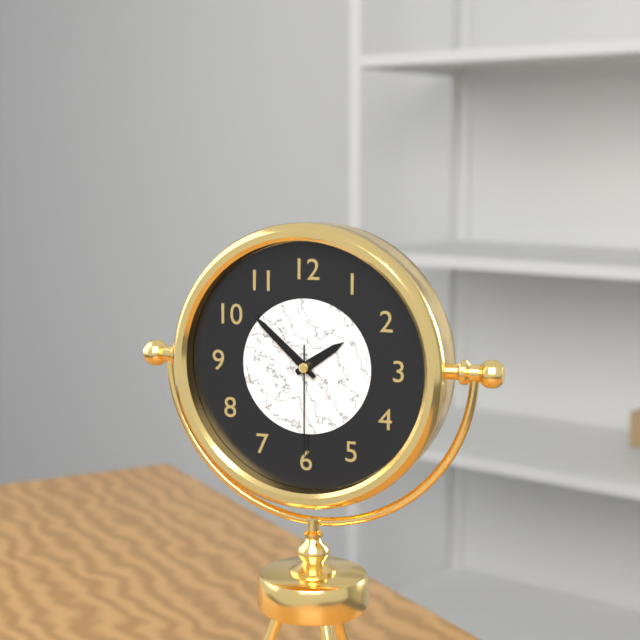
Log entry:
1h52m30s
